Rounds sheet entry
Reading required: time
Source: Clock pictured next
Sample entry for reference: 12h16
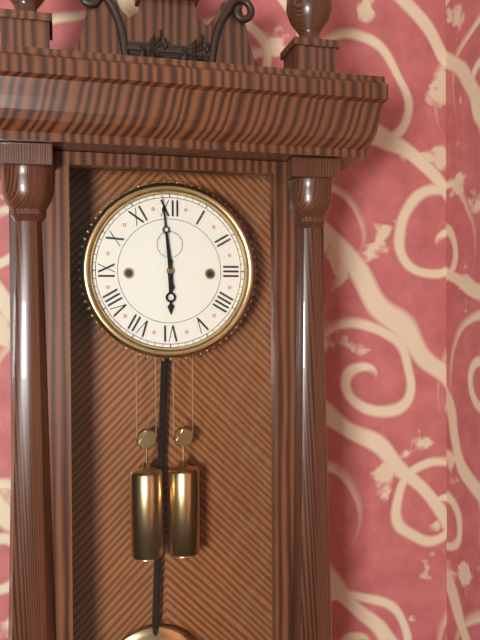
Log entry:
5h59
